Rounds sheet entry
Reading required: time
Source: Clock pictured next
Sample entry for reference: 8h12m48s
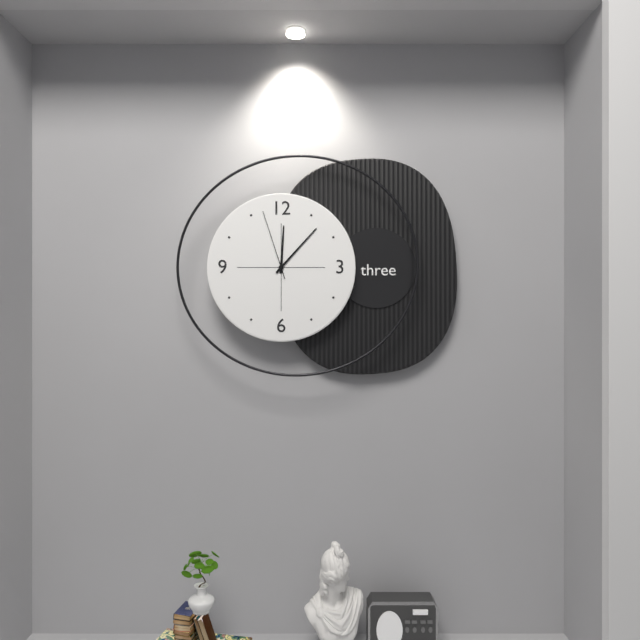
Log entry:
12h07m57s
